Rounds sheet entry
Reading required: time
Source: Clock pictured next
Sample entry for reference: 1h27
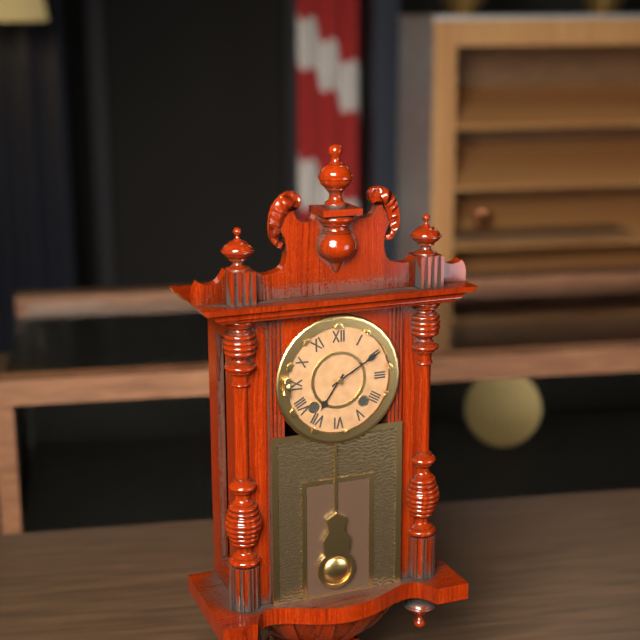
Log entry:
7h10
